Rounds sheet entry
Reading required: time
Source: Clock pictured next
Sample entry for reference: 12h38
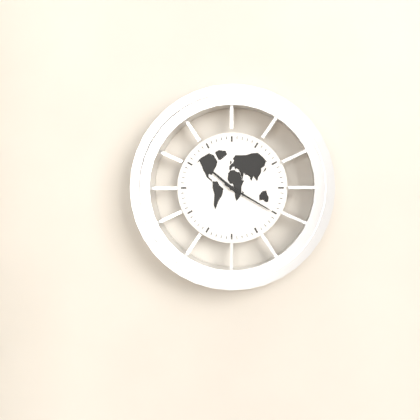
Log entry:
10h20
